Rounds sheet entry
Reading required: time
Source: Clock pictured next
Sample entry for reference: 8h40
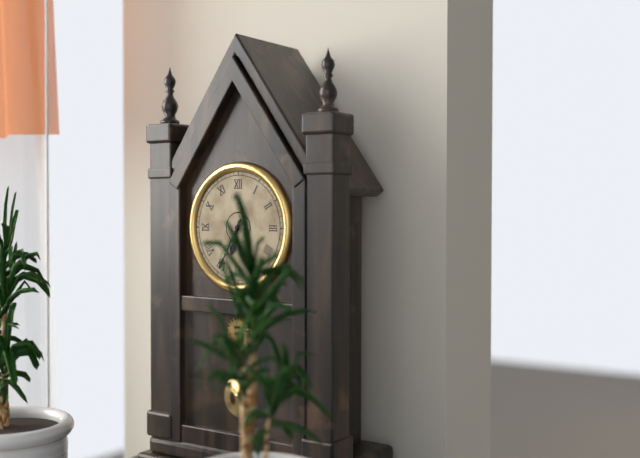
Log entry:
6h35
